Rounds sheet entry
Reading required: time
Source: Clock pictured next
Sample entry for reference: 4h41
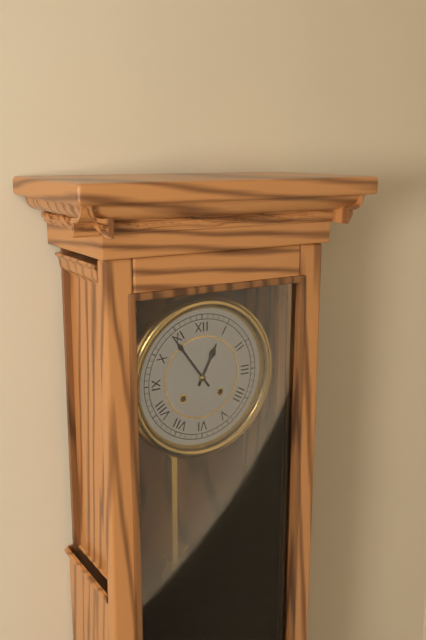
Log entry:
12h54
